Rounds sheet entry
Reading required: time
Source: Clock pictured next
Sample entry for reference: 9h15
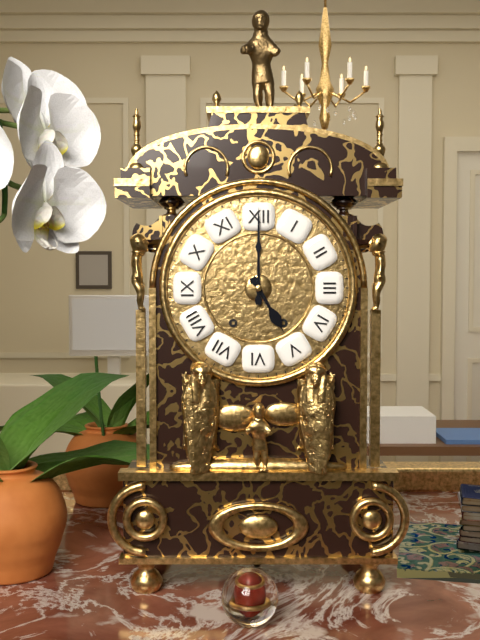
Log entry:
5h00
